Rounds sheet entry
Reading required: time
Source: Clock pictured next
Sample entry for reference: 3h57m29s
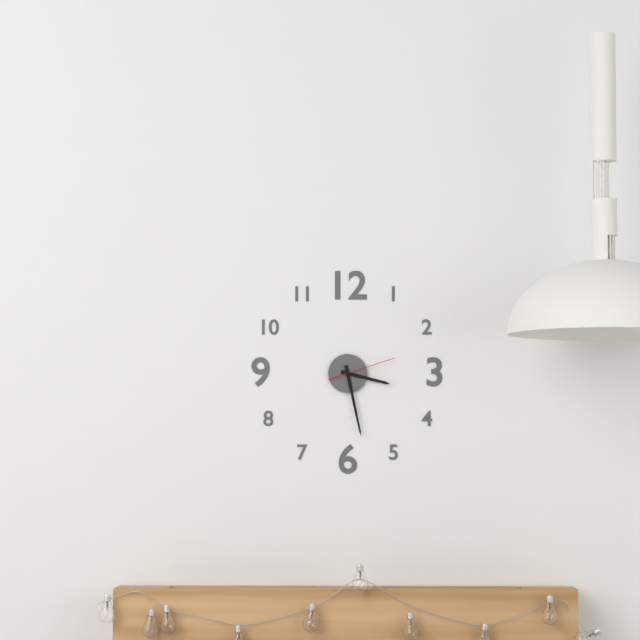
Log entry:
3h28m12s
